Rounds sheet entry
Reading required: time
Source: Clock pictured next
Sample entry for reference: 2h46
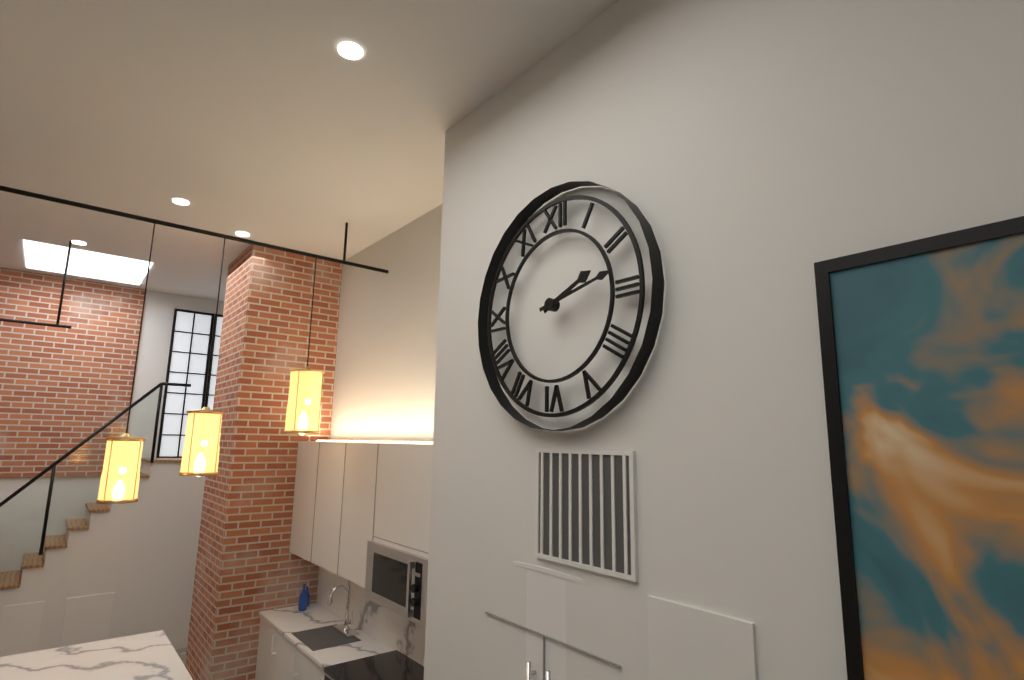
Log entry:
2h13
